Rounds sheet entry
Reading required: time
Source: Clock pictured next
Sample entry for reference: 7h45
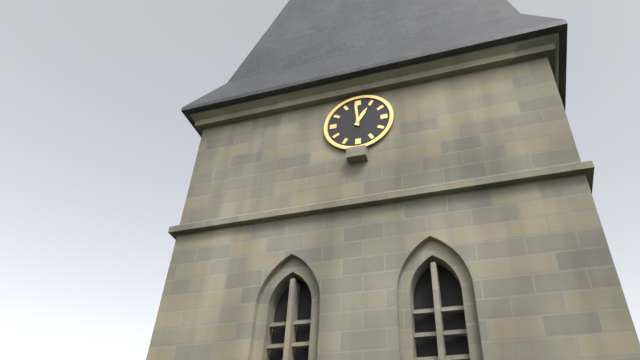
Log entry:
12h59
